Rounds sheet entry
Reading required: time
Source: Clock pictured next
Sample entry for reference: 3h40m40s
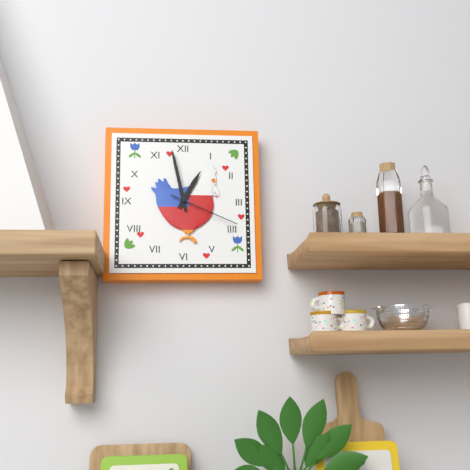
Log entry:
12h58m19s
